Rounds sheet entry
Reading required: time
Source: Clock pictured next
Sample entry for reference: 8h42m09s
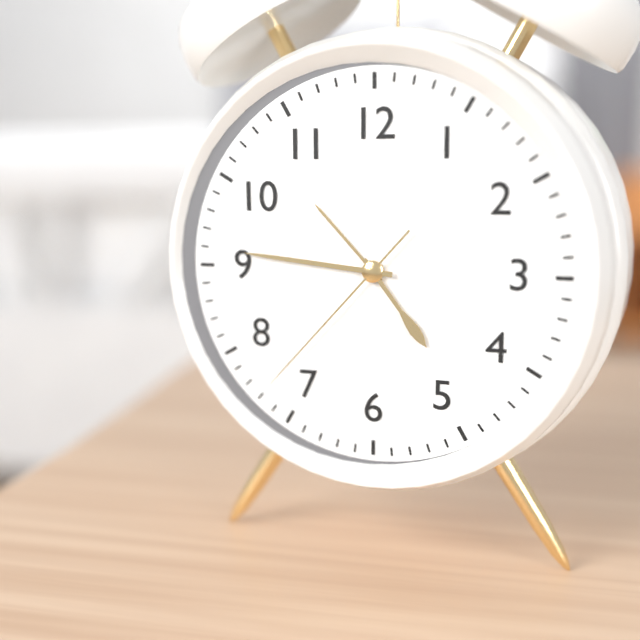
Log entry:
4h46m37s
